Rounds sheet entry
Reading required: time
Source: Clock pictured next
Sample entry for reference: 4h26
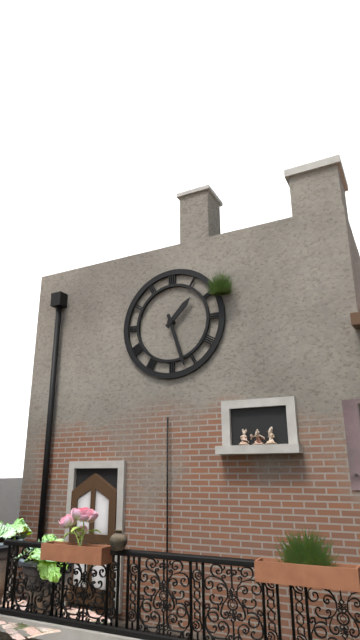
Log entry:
1h27
